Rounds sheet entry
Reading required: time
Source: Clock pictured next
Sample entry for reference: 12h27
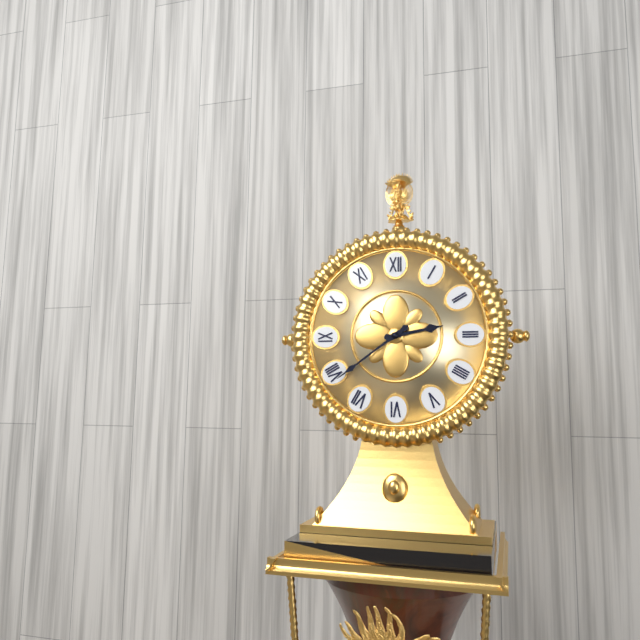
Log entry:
2h39
